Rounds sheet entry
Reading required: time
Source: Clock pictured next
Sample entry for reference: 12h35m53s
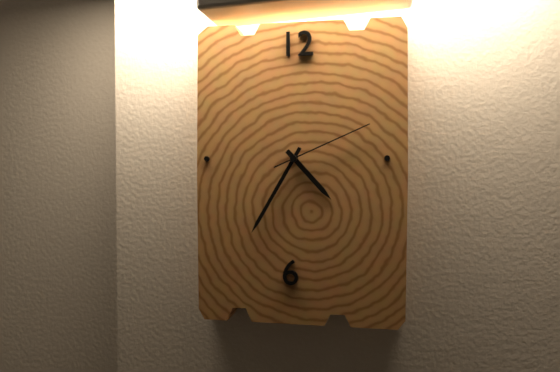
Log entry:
4h35m11s
